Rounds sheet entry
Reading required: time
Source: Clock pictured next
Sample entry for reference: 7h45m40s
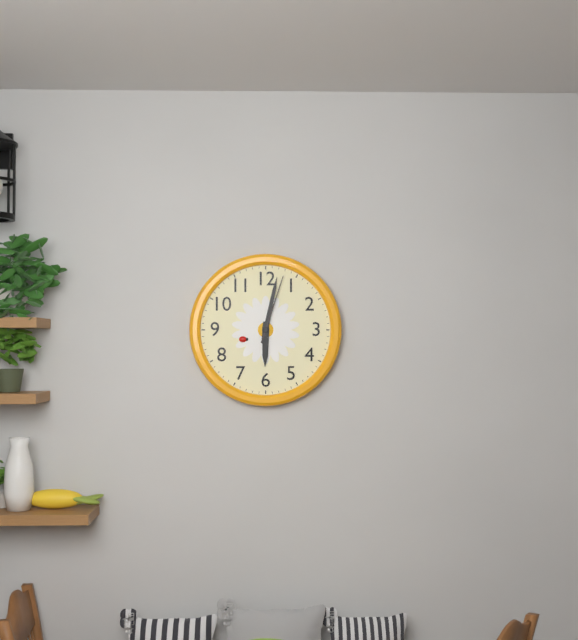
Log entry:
6h02m03s
